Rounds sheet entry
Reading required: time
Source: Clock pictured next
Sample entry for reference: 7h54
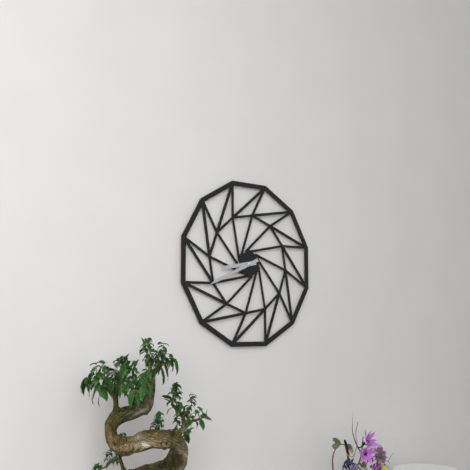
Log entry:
8h41
